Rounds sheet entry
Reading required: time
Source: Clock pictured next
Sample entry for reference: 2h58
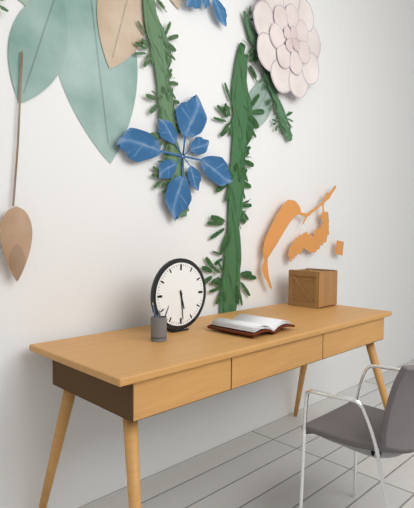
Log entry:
5h29
